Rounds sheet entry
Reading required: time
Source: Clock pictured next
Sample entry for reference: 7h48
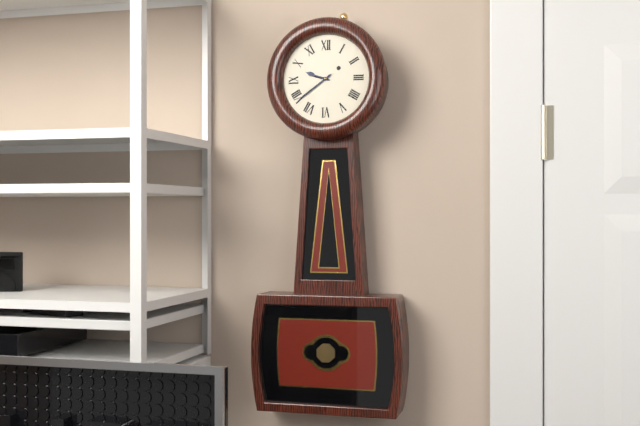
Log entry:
9h39
